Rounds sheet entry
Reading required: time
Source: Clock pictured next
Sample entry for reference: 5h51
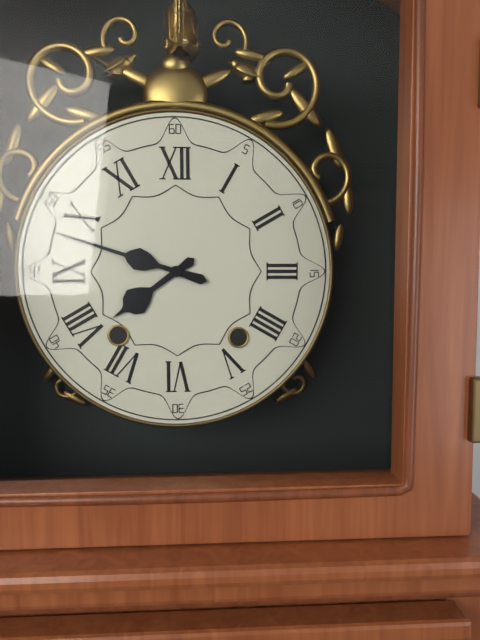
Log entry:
7h48
